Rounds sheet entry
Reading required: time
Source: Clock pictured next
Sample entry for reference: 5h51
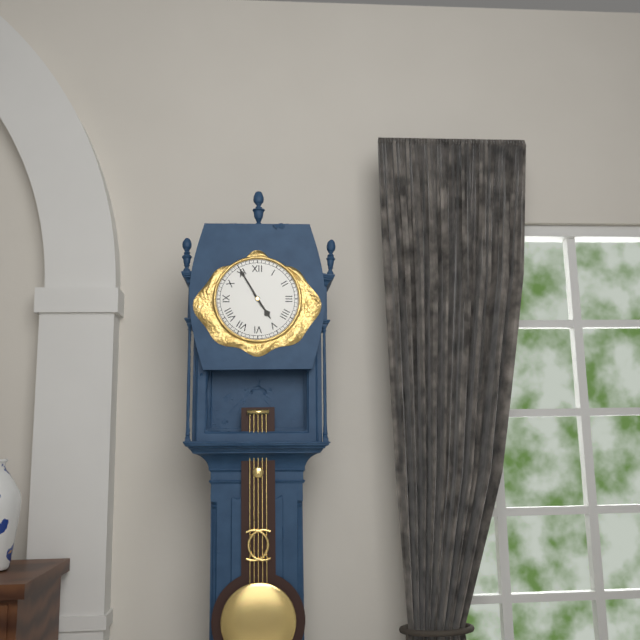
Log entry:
4h55
